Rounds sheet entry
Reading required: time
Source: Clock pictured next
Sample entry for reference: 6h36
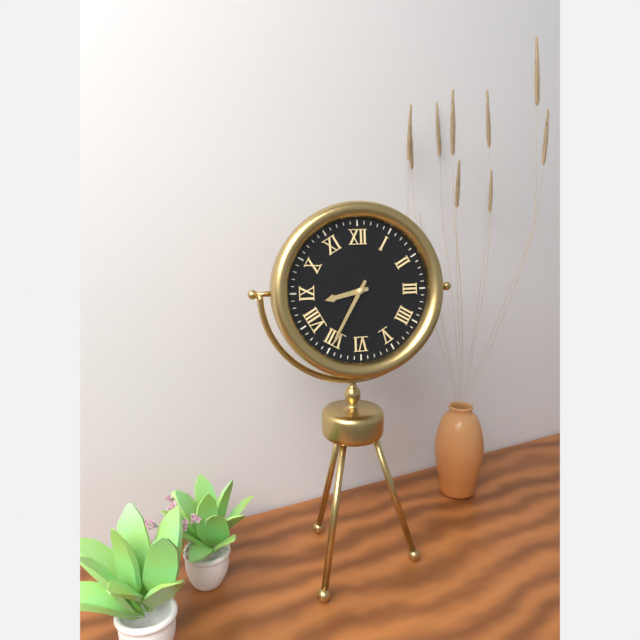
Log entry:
8h35
